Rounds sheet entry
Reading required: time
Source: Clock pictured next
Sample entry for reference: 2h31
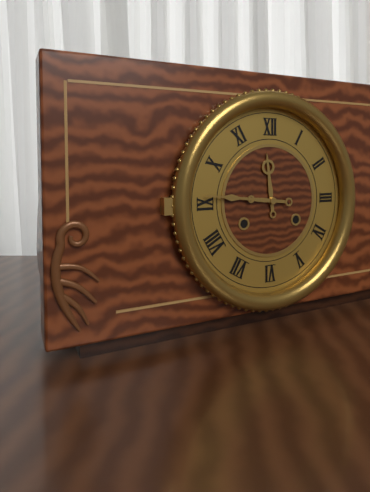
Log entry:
11h46
